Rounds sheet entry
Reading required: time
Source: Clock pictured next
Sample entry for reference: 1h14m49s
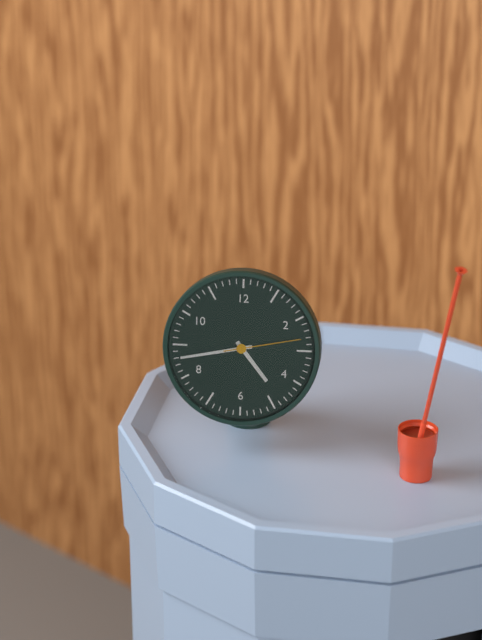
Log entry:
4h43m13s
